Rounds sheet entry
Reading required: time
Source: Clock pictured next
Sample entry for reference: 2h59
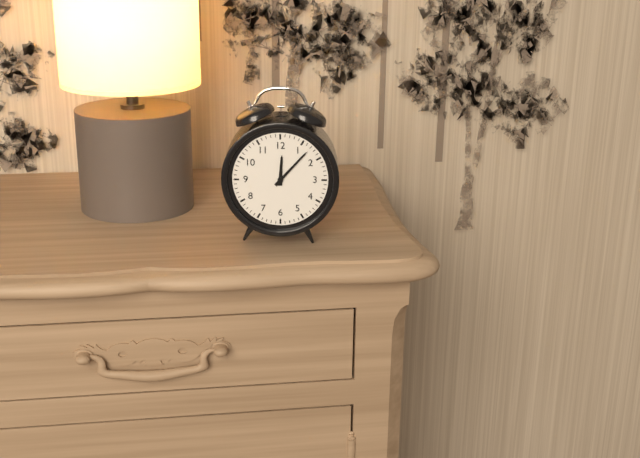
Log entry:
12h07
